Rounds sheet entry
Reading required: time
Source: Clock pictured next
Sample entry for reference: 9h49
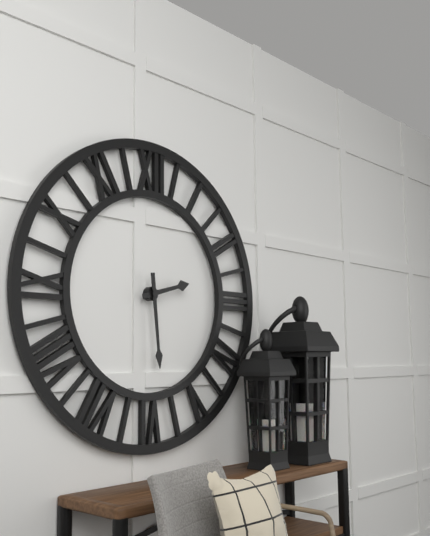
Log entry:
2h29
